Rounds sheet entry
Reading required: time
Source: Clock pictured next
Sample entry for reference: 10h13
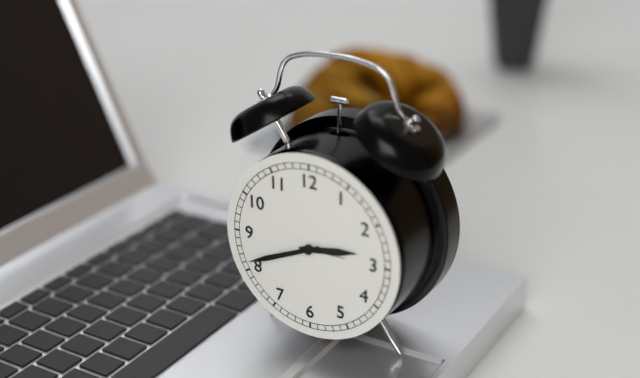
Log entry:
2h41
